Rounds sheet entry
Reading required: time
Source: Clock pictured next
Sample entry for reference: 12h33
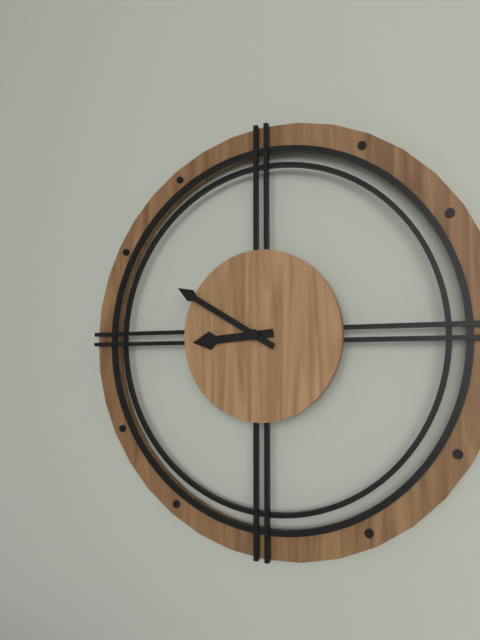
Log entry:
8h50
